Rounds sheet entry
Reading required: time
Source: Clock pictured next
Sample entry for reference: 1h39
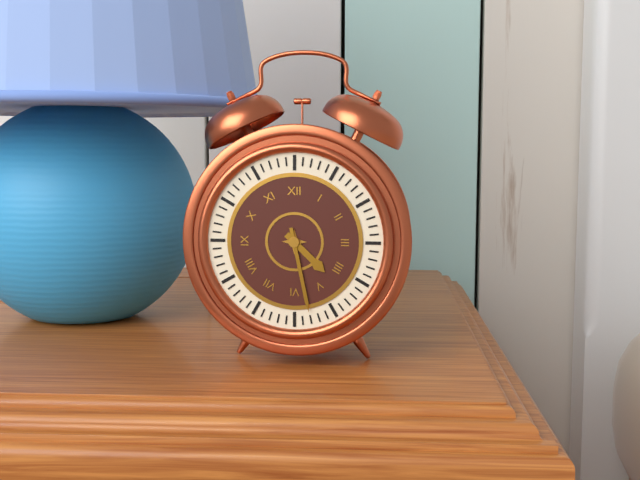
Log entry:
4h28
